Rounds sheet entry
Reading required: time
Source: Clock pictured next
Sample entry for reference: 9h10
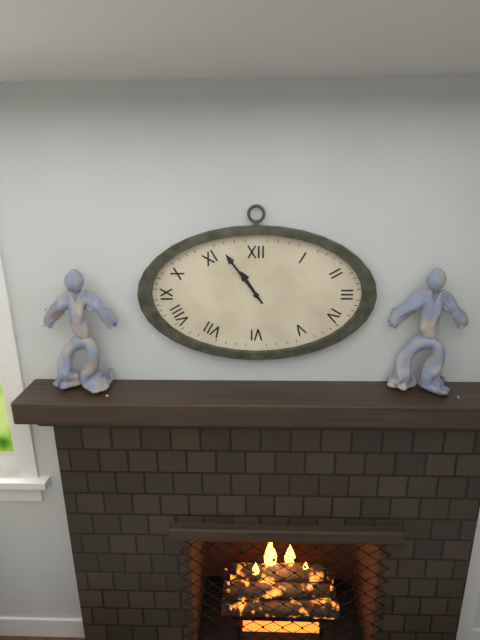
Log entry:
10h54
